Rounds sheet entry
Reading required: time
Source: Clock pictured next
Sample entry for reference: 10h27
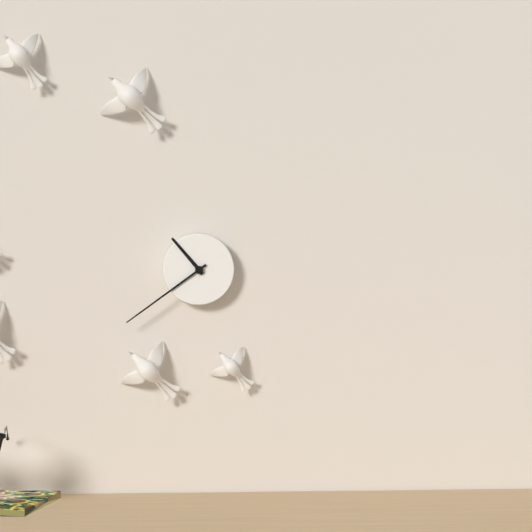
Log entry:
10h39
